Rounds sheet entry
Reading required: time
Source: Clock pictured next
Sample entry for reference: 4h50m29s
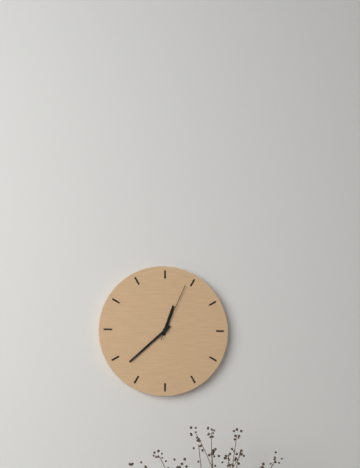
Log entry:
12h38m04s
